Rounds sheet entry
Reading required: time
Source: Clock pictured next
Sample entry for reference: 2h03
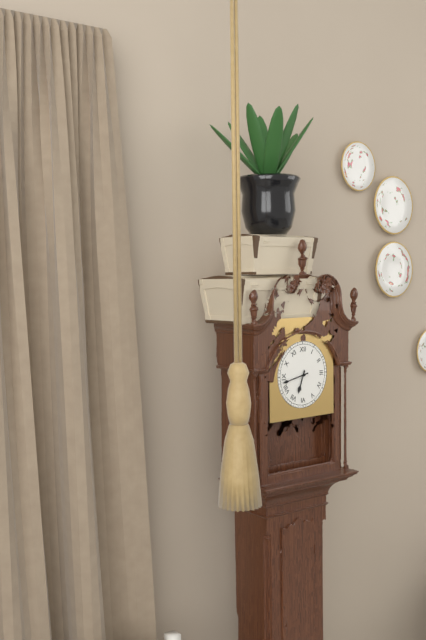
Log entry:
6h43
